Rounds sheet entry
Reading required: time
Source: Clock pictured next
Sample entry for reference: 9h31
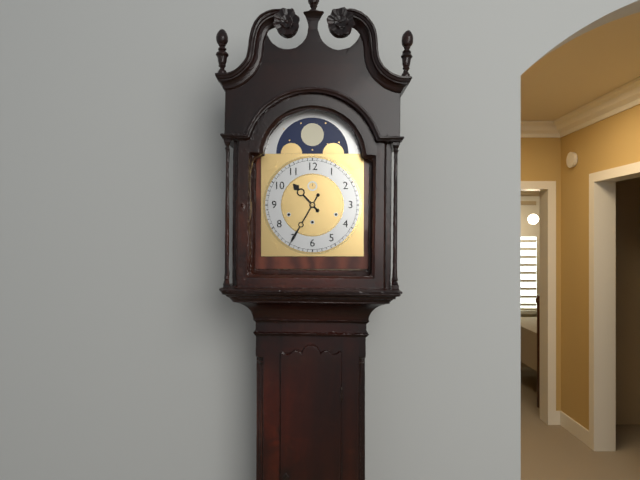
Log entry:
10h35
